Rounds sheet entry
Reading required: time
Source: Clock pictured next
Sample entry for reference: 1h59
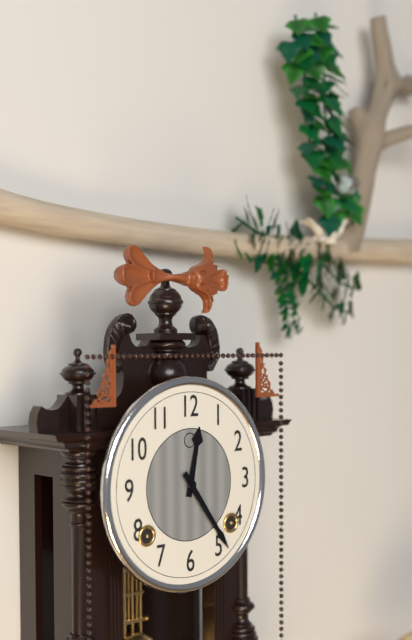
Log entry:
12h24
